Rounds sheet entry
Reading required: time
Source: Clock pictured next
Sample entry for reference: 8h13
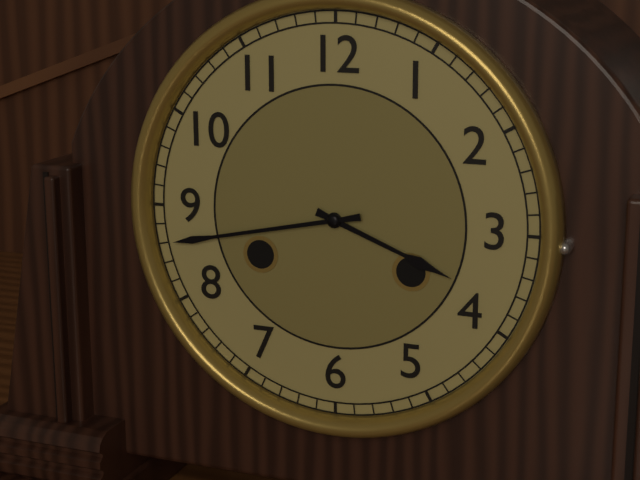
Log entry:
3h43
